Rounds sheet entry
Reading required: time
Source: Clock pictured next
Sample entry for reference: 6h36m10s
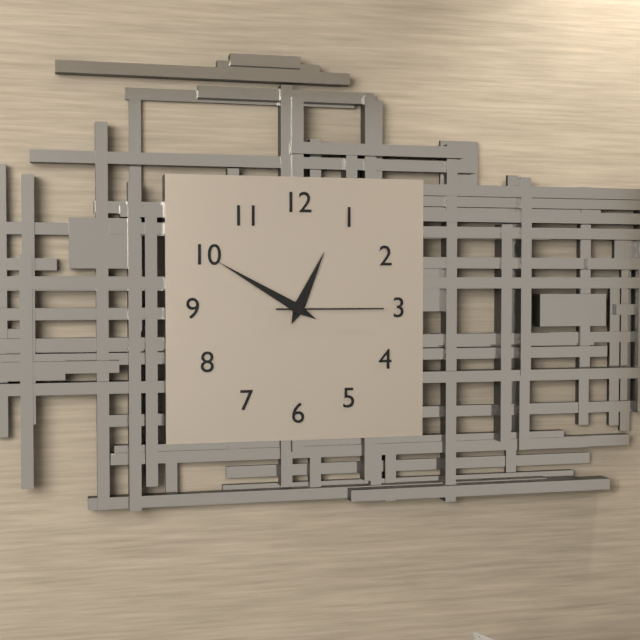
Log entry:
12h50m15s
